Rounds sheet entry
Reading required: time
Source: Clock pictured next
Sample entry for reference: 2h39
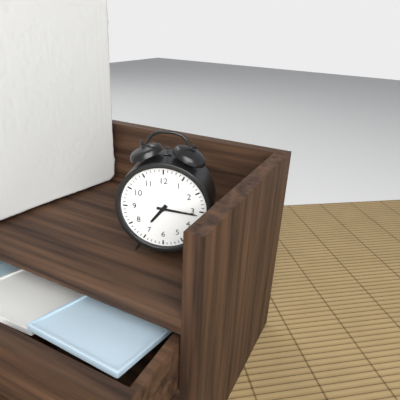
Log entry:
7h16
